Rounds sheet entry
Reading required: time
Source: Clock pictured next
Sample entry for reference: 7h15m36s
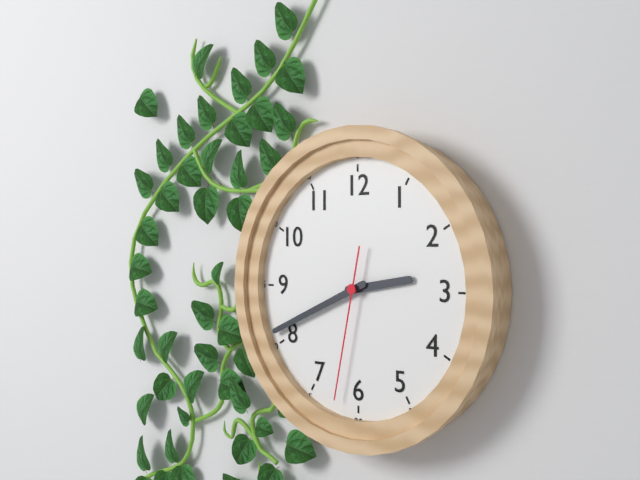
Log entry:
2h41m32s
